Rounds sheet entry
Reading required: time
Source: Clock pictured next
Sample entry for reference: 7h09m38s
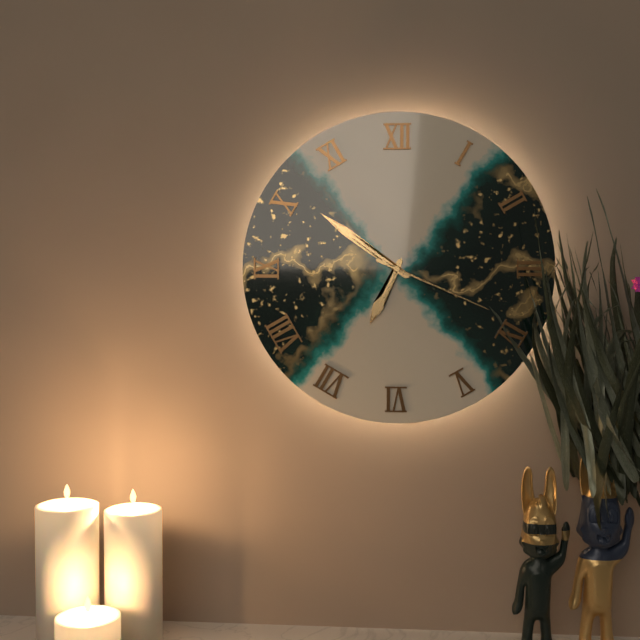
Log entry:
6h51m19s
